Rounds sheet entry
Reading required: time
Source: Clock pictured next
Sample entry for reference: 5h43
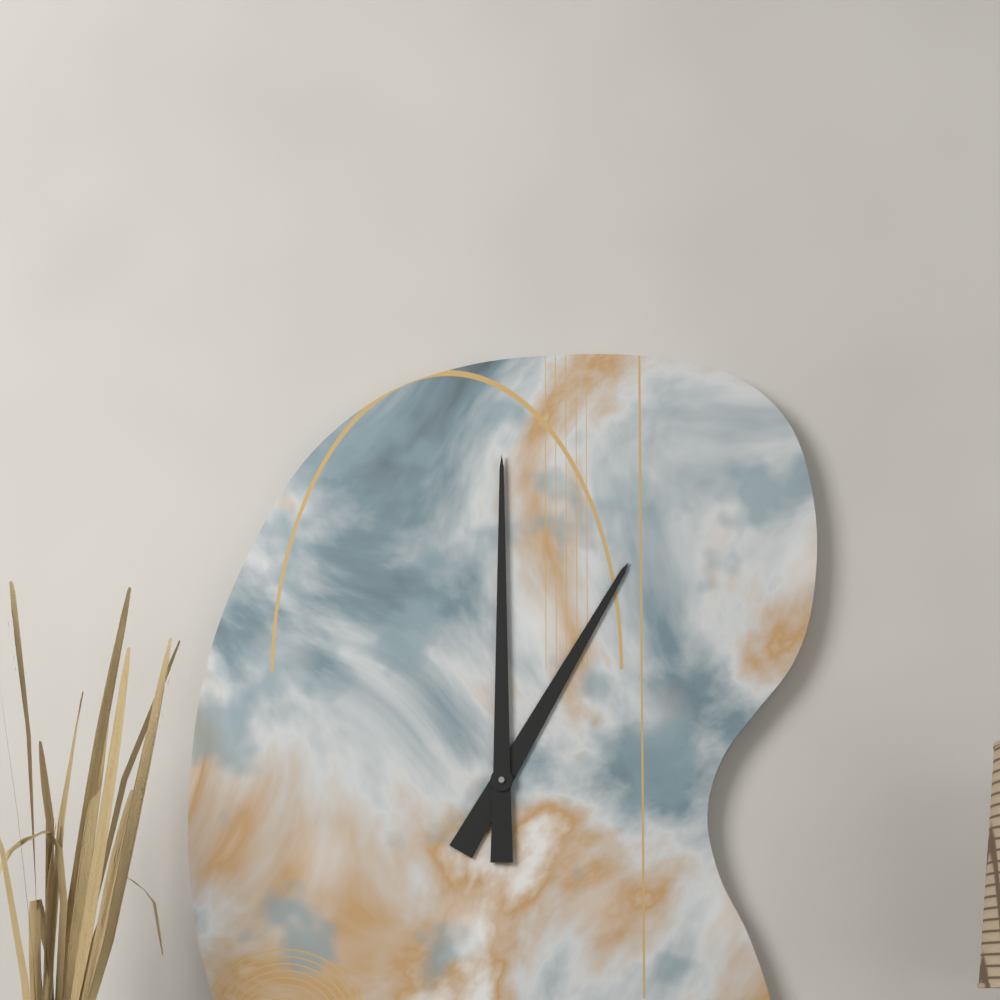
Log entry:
1h00
